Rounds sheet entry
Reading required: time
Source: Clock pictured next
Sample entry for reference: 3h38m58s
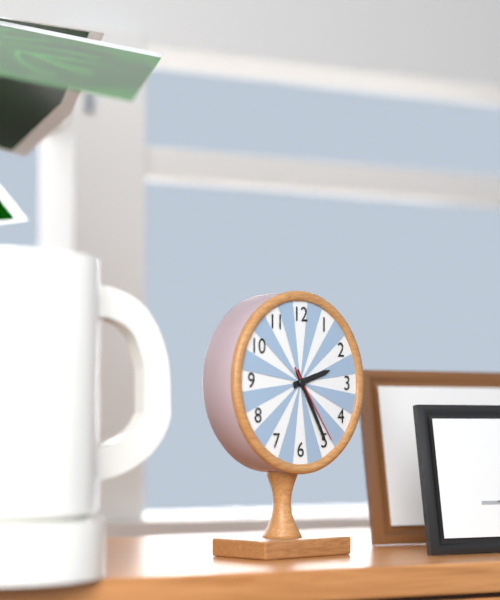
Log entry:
2h25m24s
